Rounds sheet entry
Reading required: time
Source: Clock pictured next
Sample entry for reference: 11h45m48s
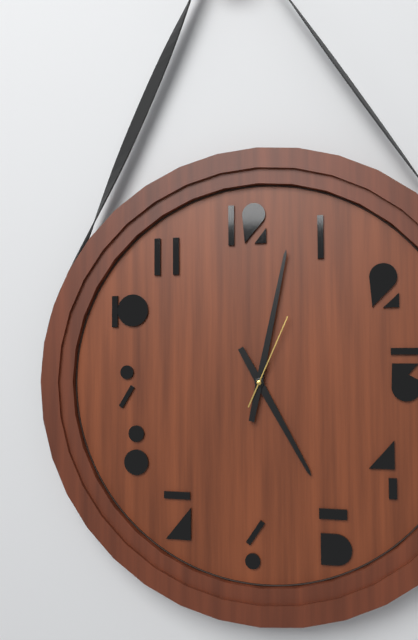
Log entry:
5h02m04s
